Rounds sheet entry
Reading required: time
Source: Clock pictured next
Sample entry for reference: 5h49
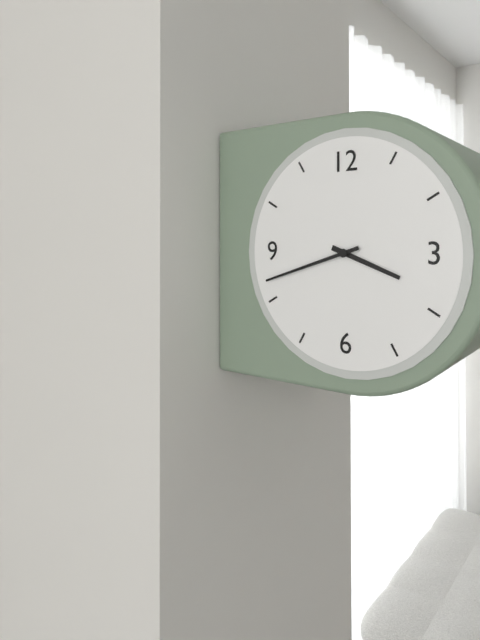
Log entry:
3h42
